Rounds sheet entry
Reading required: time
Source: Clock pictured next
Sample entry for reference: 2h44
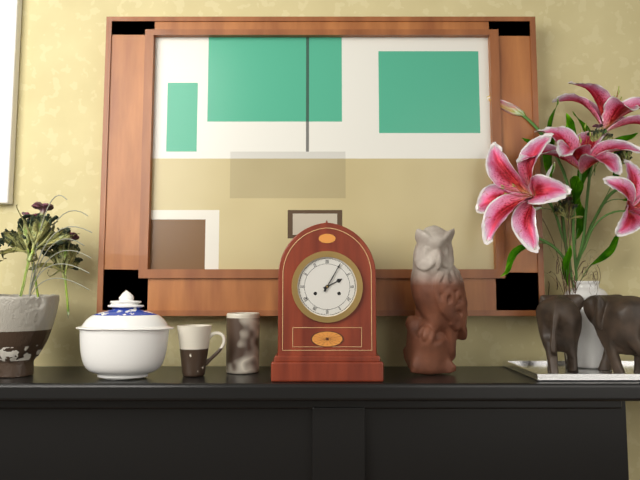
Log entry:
2h05
